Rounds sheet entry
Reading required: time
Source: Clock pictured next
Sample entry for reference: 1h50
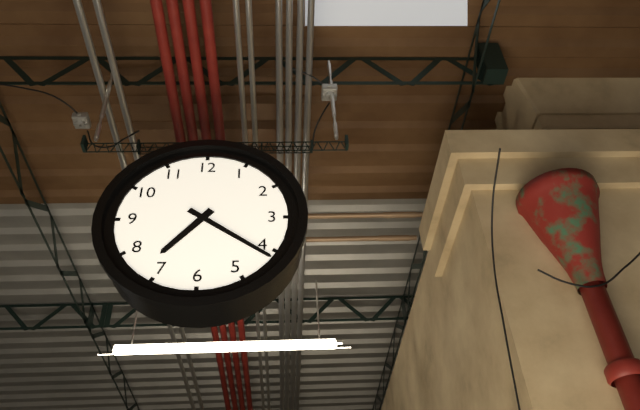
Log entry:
7h21
